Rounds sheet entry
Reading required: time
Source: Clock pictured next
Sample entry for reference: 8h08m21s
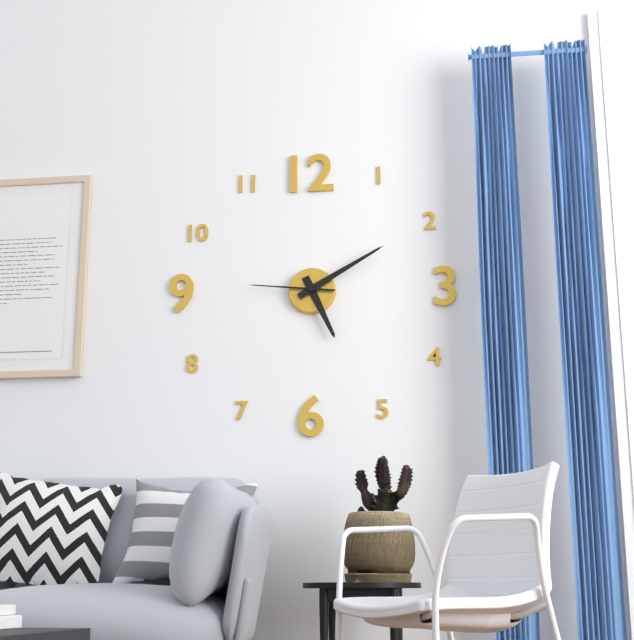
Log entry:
5h10m46s
